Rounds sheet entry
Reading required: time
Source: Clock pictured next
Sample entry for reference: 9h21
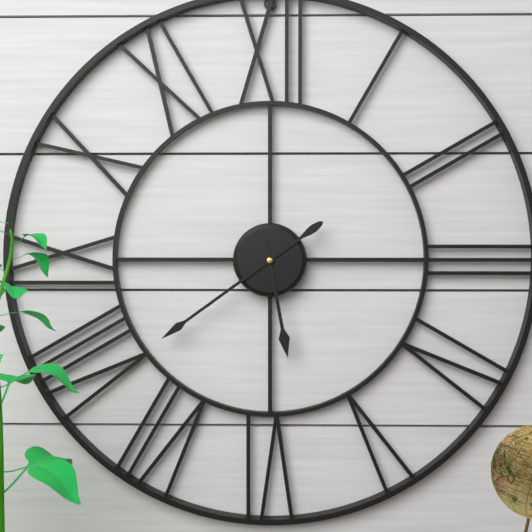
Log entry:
5h39
